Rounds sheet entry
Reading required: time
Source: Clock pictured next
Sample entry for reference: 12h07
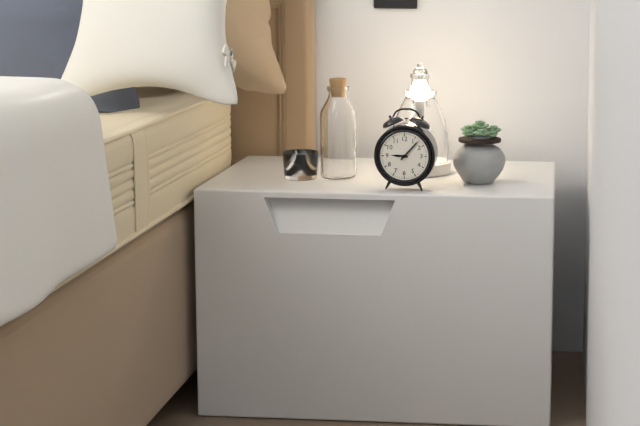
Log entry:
9h07
